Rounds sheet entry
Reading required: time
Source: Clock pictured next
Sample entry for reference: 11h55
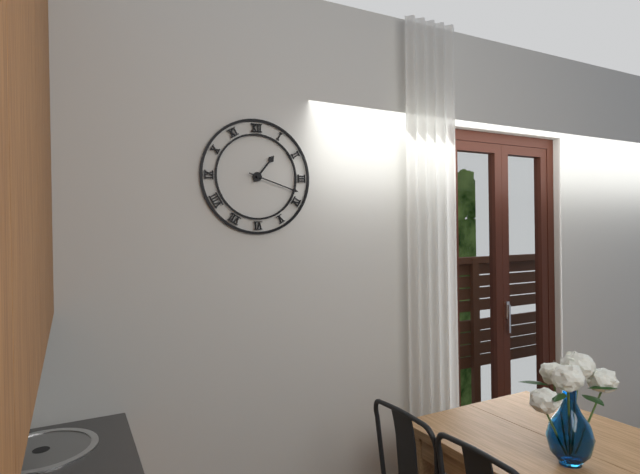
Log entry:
1h18
